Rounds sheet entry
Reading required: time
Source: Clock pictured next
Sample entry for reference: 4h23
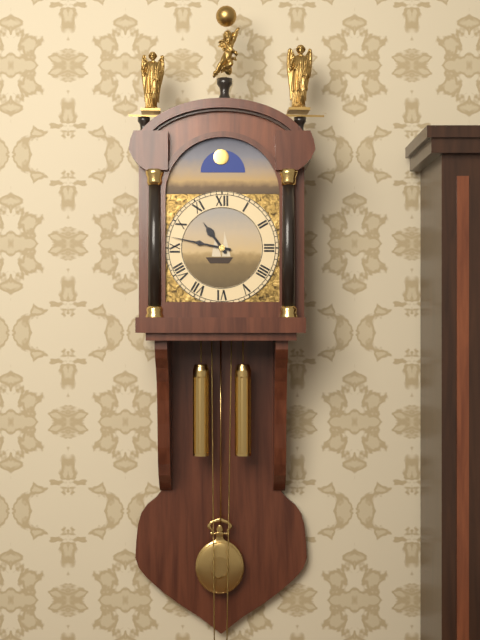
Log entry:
10h47
